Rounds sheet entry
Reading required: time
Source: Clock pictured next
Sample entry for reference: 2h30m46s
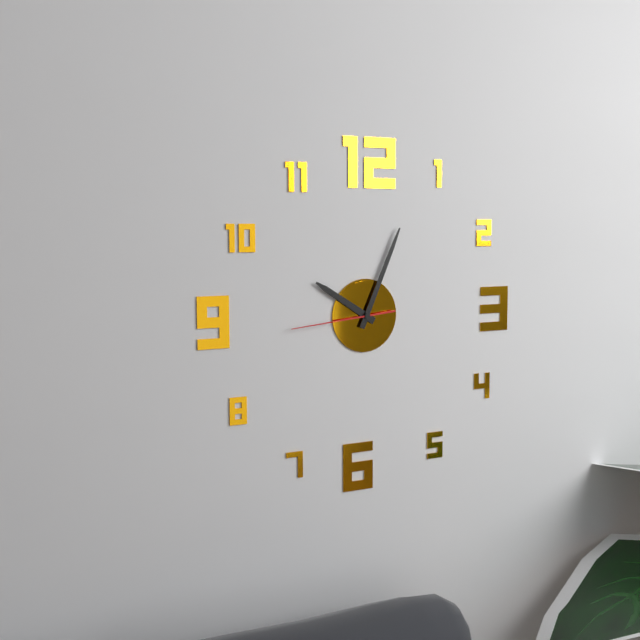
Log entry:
10h04m44s
